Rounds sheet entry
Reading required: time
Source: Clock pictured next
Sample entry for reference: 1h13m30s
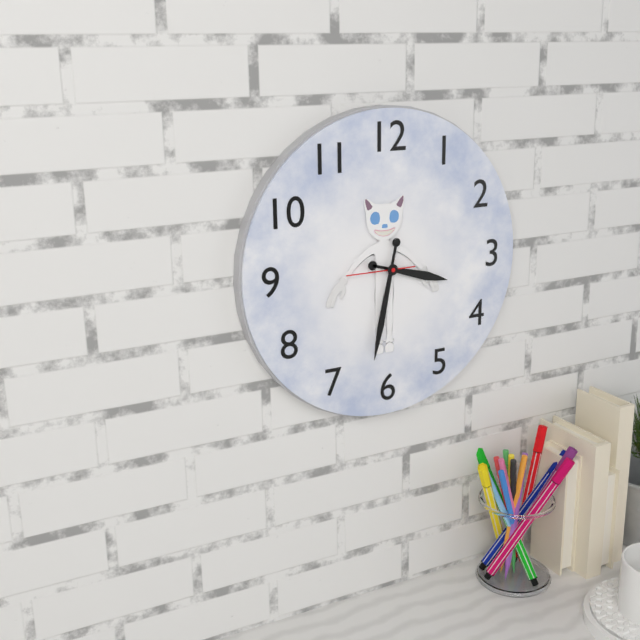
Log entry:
3h32m45s
